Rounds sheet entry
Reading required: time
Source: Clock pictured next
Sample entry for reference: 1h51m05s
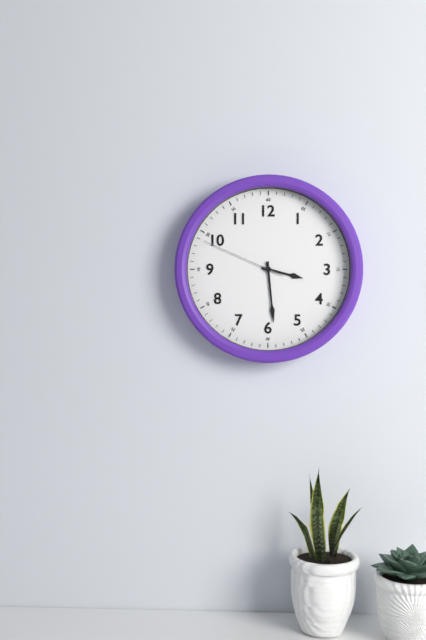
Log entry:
3h29m49s
